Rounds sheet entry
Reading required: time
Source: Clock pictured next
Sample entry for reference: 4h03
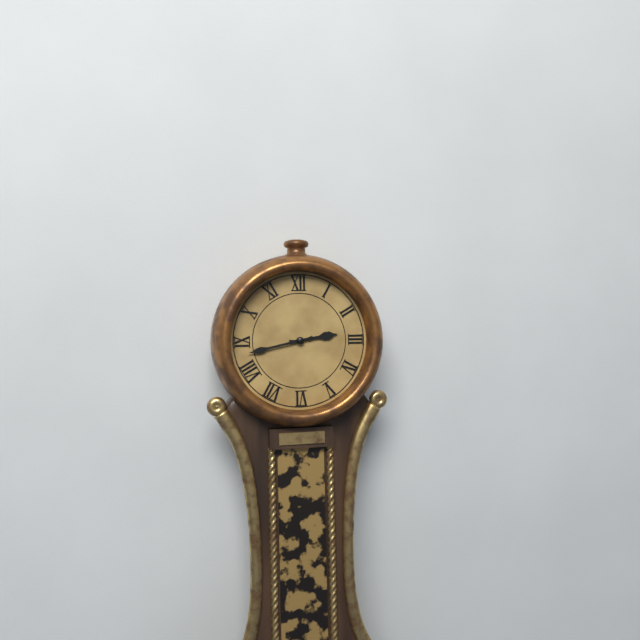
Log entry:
2h43
